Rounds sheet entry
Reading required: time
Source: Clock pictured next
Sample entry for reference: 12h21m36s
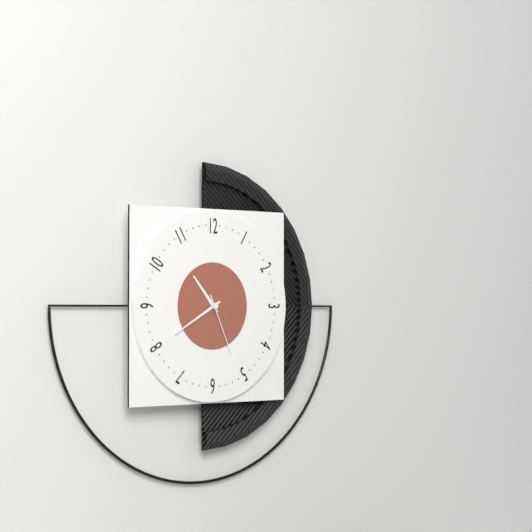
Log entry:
10h40m26s
